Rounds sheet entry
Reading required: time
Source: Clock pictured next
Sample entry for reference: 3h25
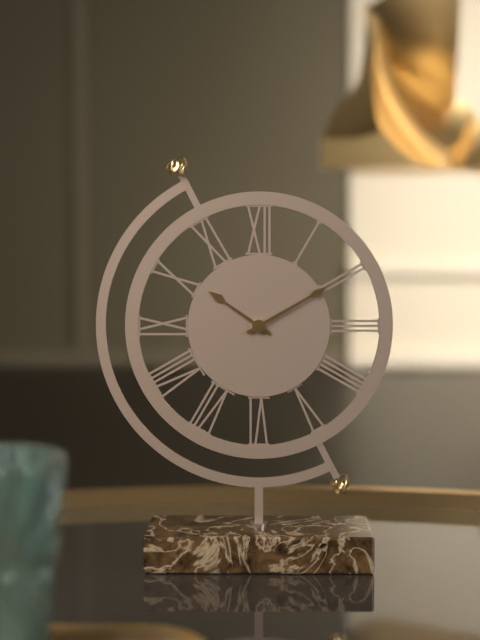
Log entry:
10h10
